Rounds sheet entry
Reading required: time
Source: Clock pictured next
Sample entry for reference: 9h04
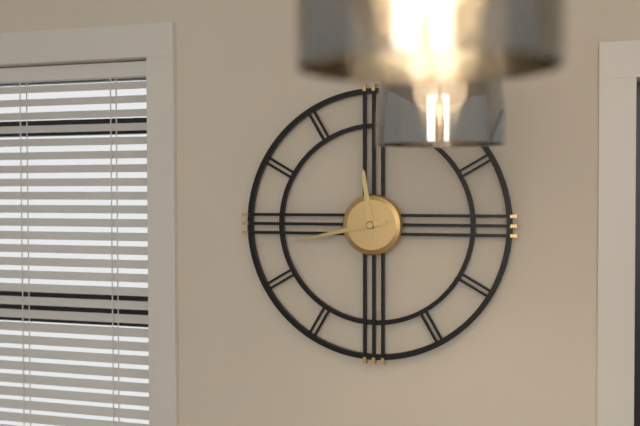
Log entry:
11h43
